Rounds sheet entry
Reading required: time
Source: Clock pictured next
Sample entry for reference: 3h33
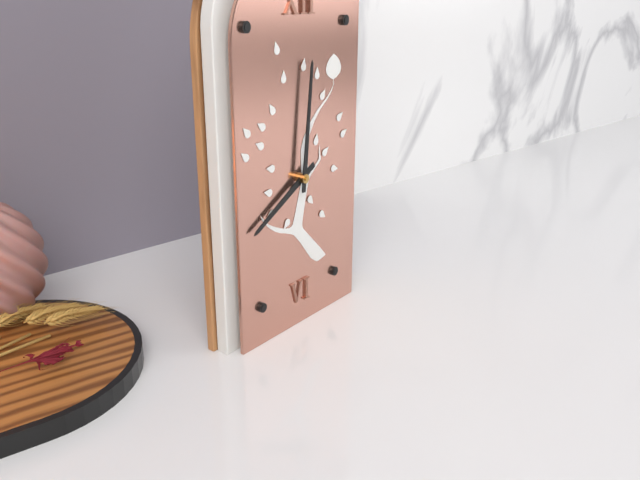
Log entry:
8h01
